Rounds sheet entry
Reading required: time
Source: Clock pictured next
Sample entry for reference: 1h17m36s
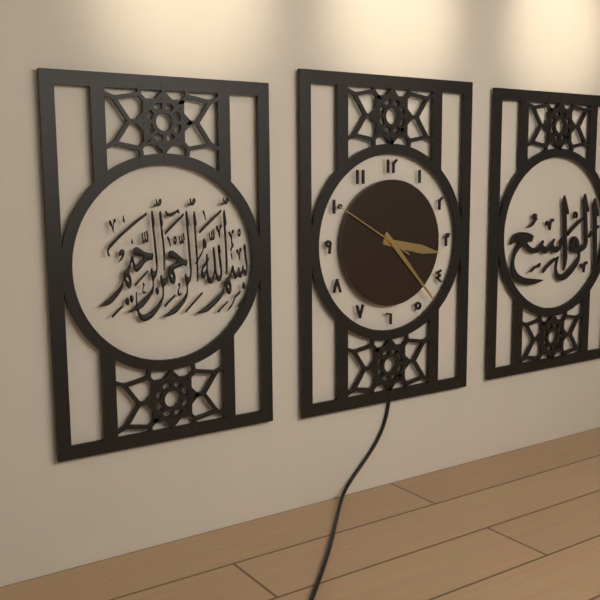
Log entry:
3h23m50s
